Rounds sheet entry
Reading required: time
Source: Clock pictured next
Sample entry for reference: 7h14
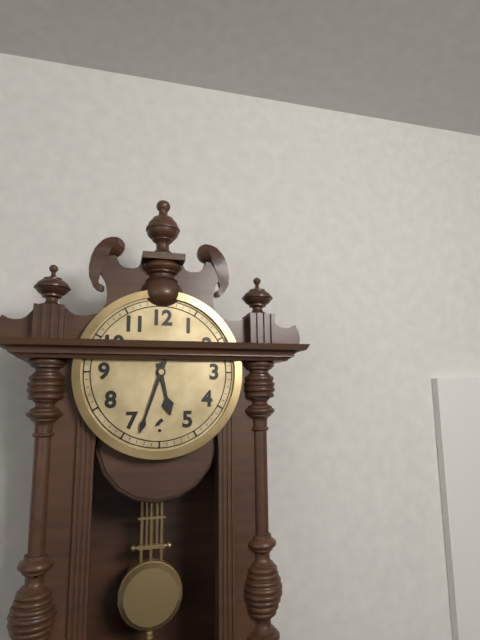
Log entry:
5h33
